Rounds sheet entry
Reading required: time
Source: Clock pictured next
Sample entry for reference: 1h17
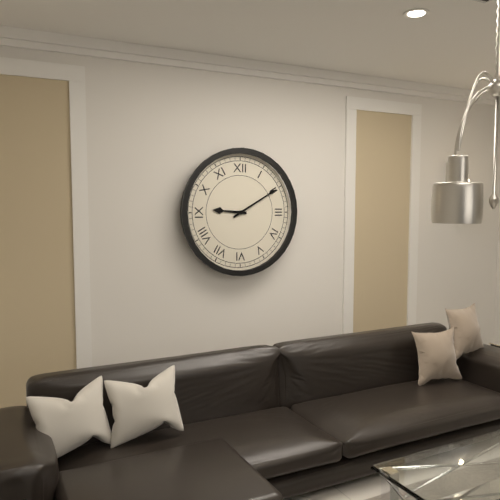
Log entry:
9h10
